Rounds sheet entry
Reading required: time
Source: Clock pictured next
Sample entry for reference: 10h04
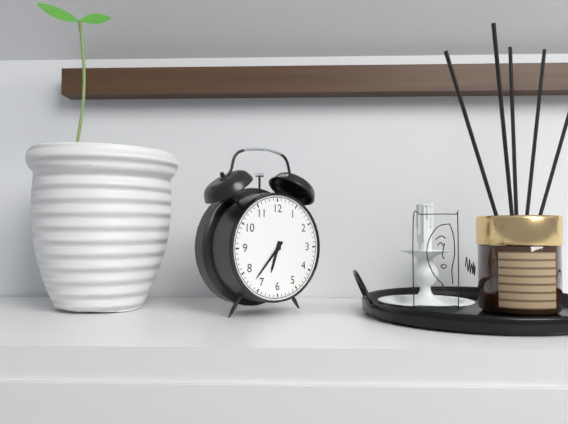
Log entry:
6h37
